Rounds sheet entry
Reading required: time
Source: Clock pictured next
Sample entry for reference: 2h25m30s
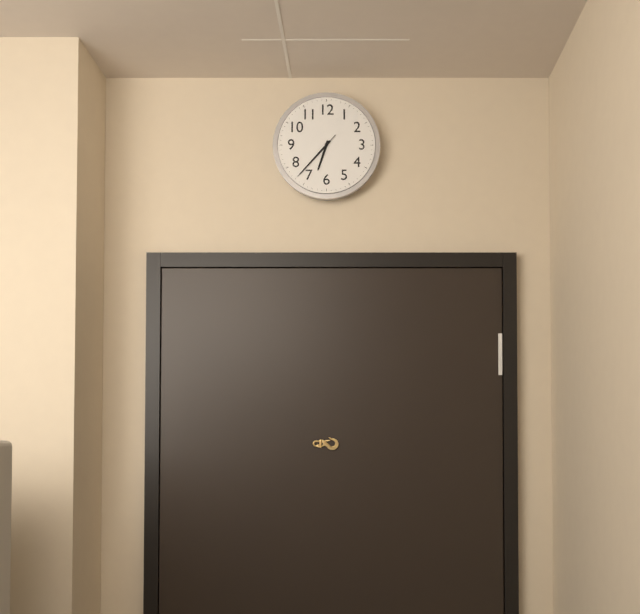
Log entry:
6h37m37s
